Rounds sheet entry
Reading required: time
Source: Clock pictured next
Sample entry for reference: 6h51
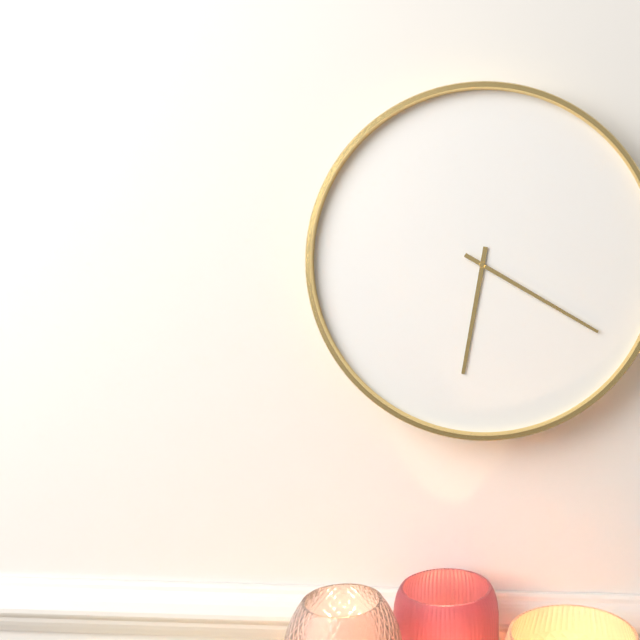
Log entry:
6h20
